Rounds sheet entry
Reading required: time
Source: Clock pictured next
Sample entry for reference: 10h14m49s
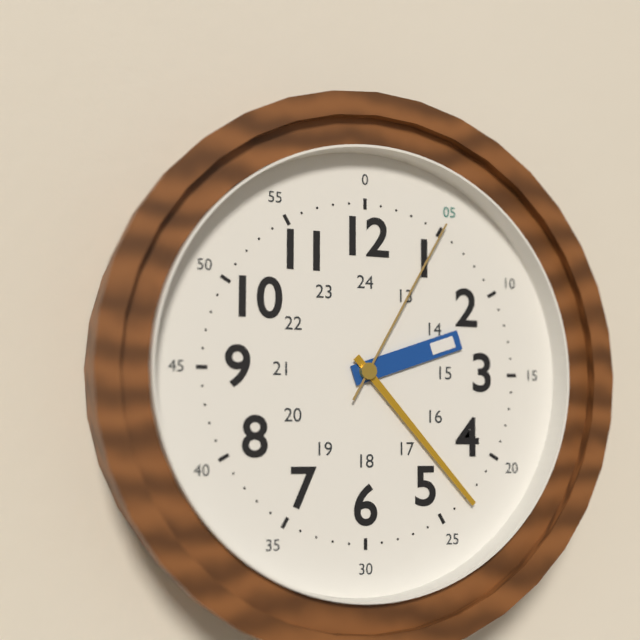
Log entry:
2h23m05s
